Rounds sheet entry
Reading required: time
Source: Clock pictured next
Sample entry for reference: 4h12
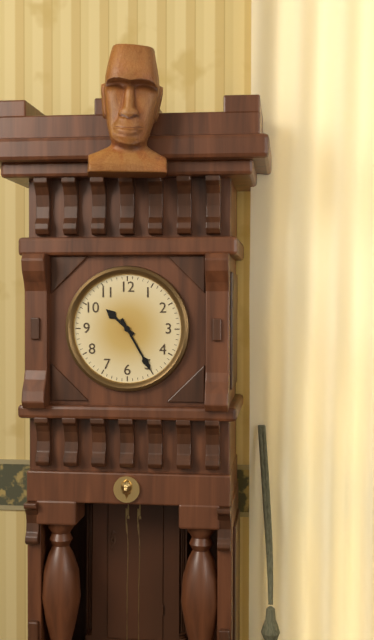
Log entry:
10h25
